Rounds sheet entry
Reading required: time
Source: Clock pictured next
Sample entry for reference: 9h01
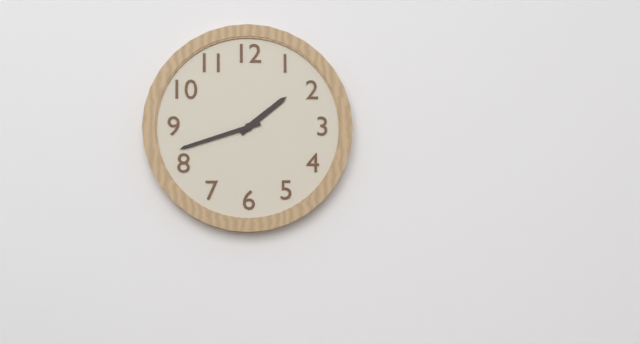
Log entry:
1h42
